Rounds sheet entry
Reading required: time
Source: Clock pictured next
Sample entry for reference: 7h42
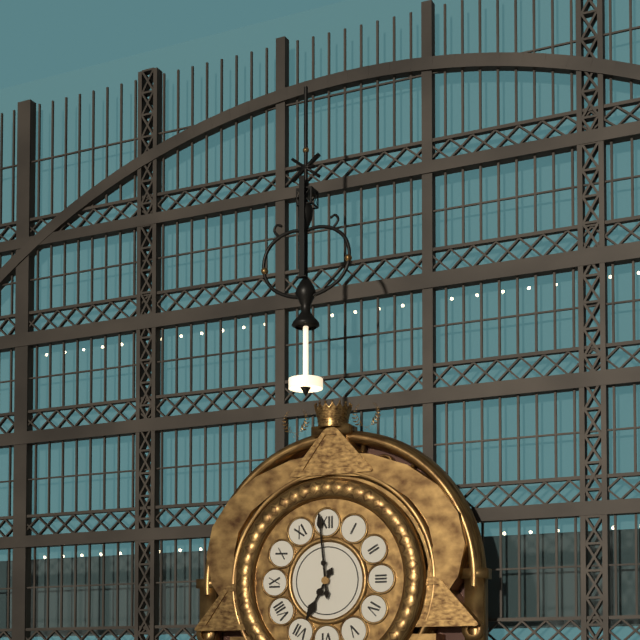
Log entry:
6h59
